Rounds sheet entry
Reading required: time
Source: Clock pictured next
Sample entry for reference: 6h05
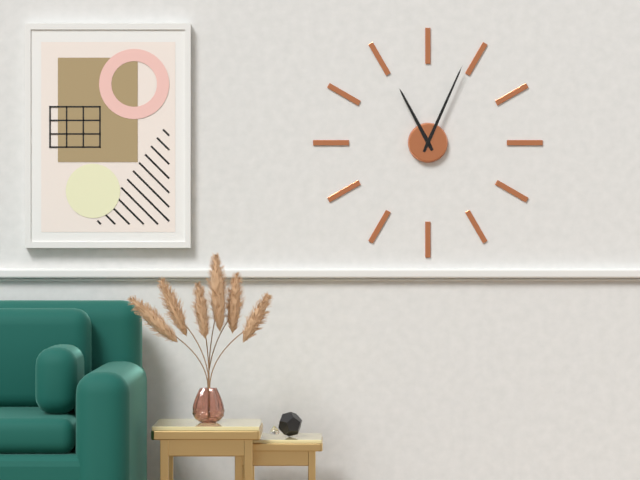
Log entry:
11h04
